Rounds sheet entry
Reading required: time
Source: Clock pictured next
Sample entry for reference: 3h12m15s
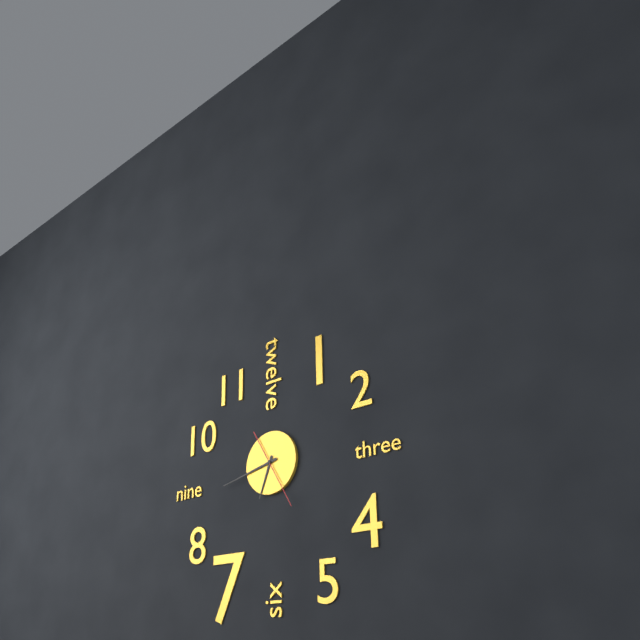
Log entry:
6h43m25s
